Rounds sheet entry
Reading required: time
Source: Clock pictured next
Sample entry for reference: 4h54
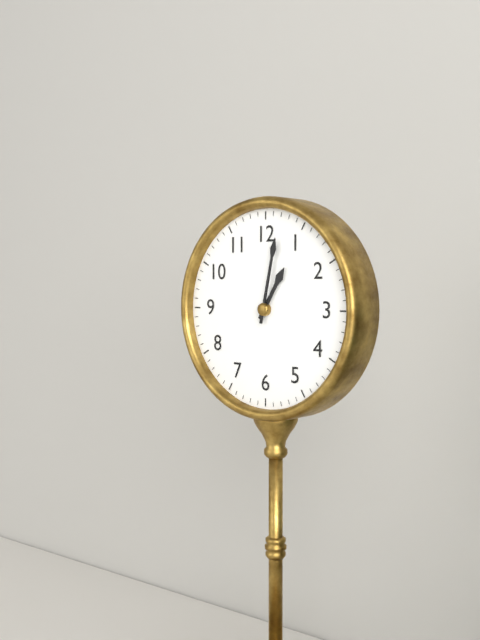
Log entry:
1h02
